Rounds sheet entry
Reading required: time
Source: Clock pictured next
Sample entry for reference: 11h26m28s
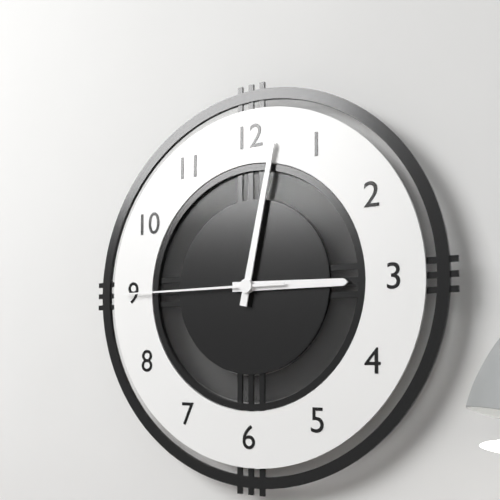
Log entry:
3h02m45s
